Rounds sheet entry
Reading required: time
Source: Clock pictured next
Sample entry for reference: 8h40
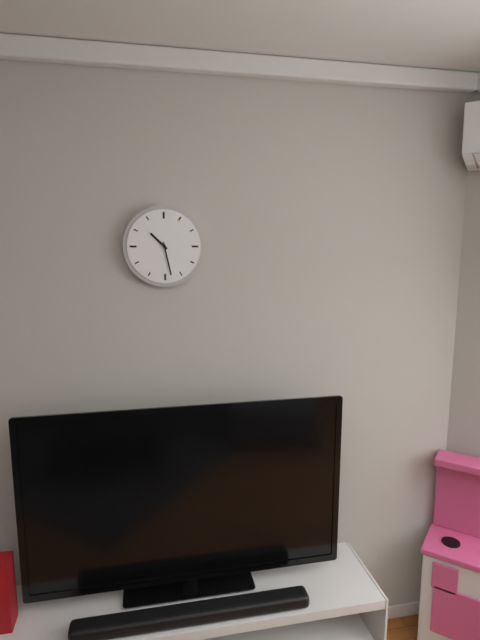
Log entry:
10h28
